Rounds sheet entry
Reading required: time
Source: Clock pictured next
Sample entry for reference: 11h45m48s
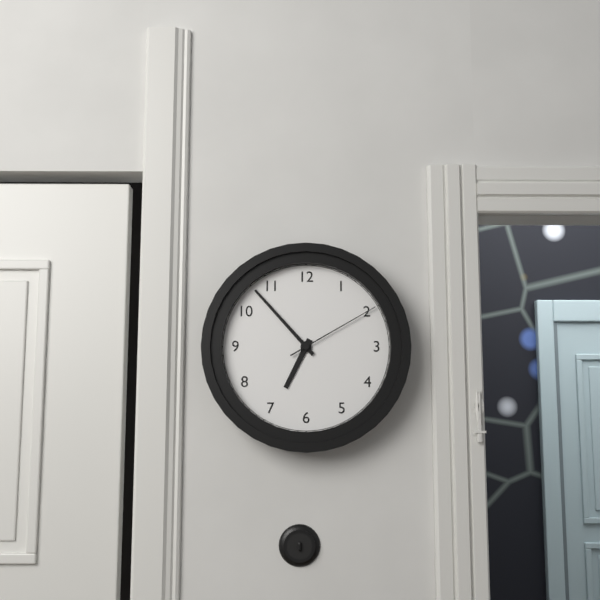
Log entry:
6h53m10s
